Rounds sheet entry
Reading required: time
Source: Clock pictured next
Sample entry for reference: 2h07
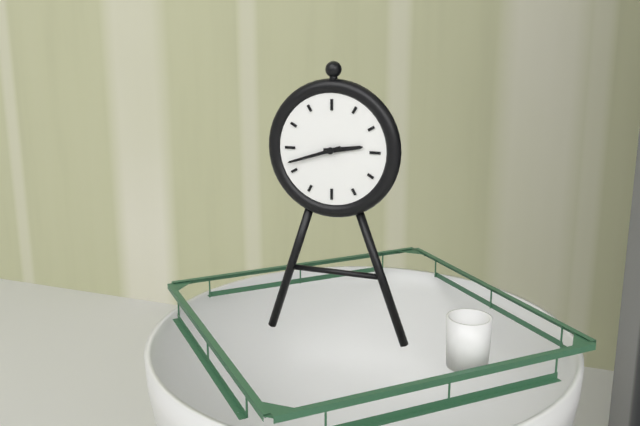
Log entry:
2h42
